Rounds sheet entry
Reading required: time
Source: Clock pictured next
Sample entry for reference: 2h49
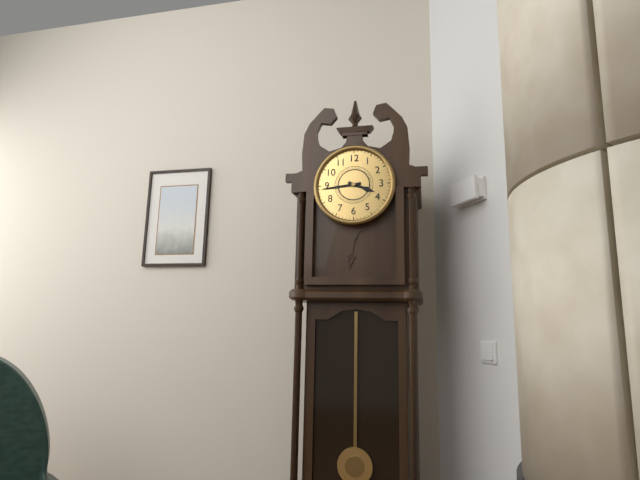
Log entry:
3h44
